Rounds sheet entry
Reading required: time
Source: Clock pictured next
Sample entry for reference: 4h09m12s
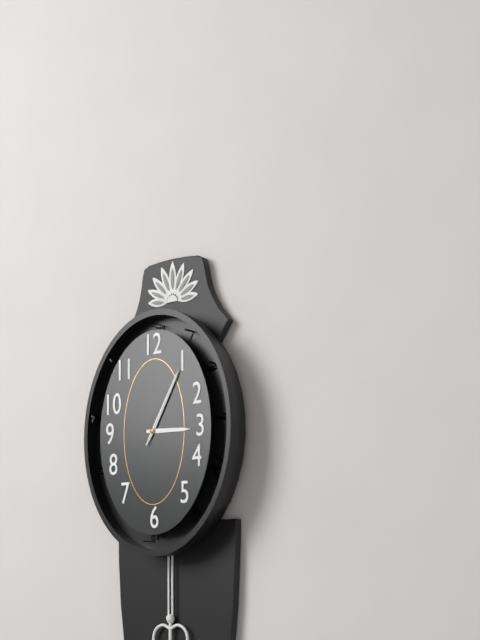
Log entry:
3h05m05s
